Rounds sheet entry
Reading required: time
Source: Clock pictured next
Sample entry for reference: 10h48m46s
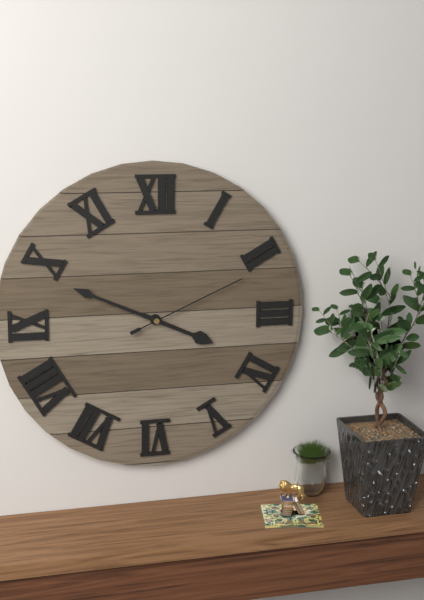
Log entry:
3h49m11s
